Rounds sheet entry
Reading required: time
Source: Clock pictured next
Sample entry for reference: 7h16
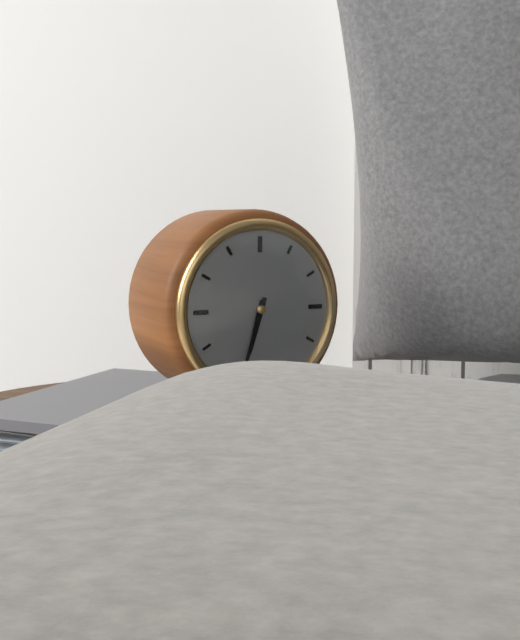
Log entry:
6h33
